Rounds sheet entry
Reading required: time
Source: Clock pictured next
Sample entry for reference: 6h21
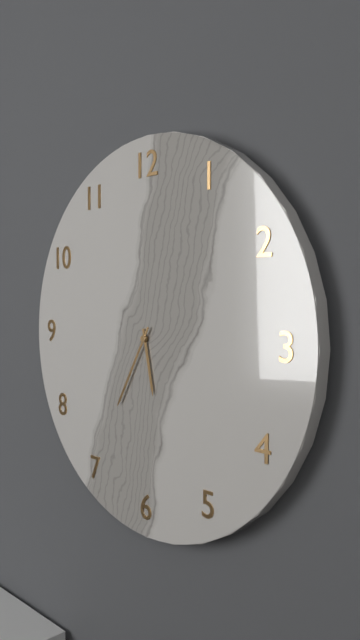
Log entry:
5h35
